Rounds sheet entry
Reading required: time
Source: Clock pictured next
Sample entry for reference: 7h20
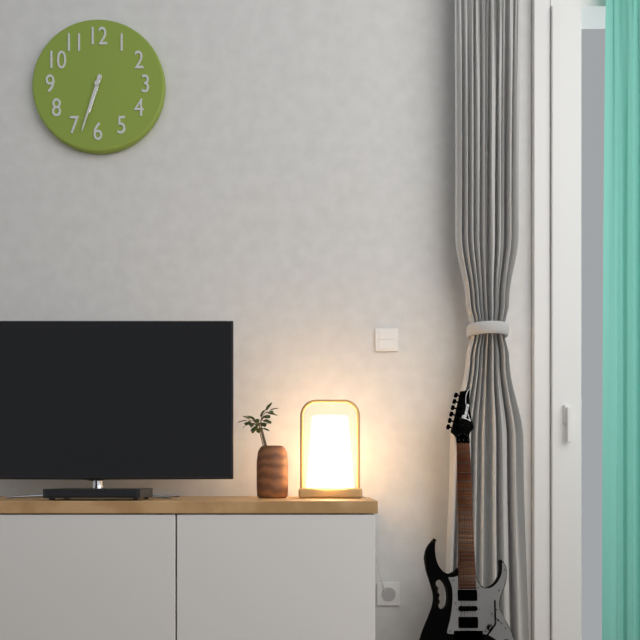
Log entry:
6h33
